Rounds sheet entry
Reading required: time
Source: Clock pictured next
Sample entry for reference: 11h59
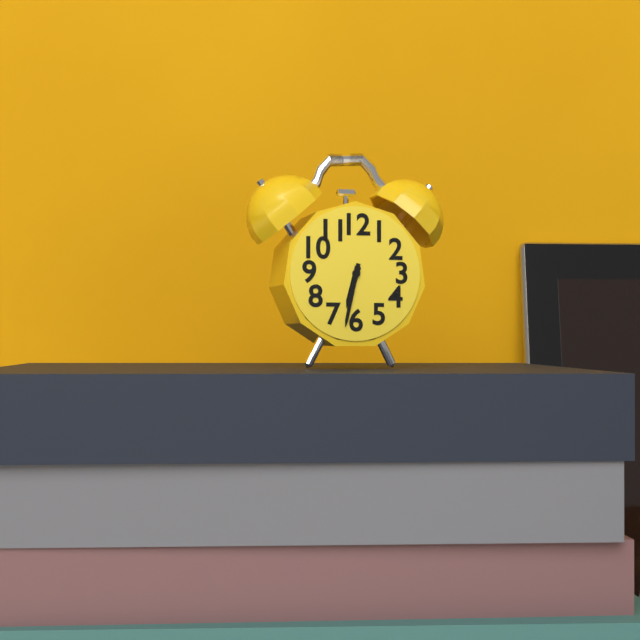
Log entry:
6h32
